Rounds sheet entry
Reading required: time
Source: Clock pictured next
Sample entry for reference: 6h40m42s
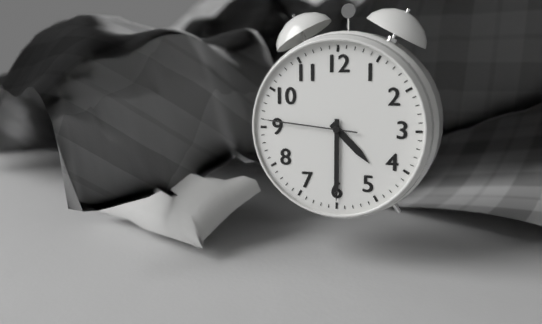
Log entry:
4h30m46s
